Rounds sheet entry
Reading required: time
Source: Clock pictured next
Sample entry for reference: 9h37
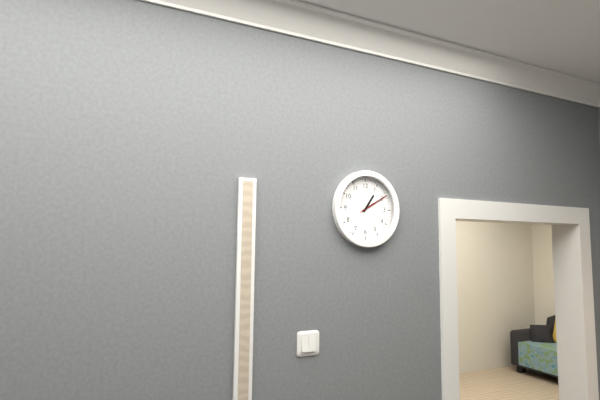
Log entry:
1h10
